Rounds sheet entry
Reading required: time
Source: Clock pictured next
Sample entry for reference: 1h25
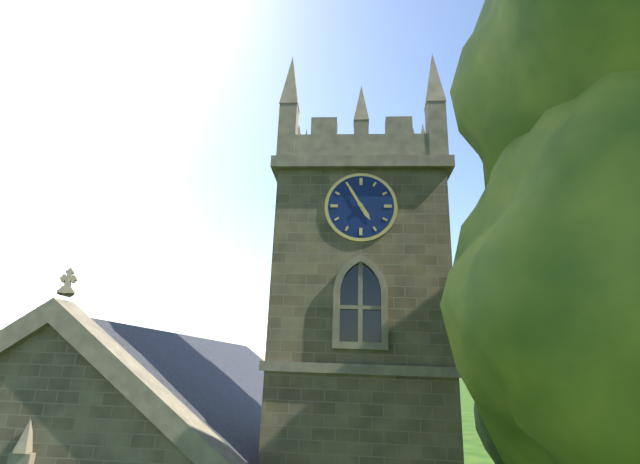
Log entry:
4h55
